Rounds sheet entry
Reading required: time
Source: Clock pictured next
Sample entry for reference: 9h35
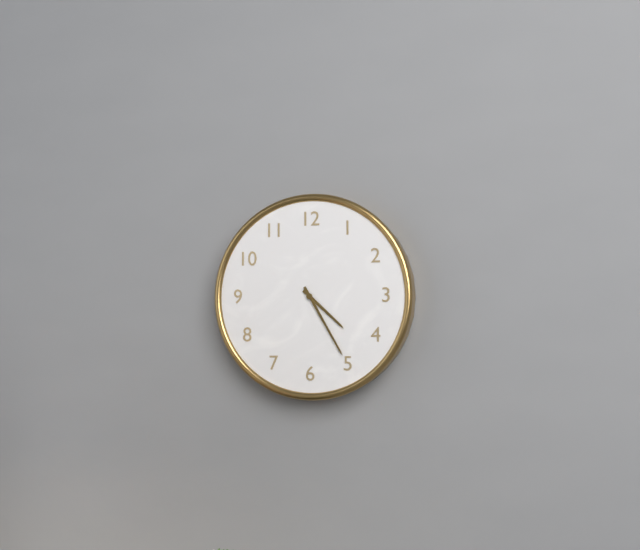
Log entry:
4h25
